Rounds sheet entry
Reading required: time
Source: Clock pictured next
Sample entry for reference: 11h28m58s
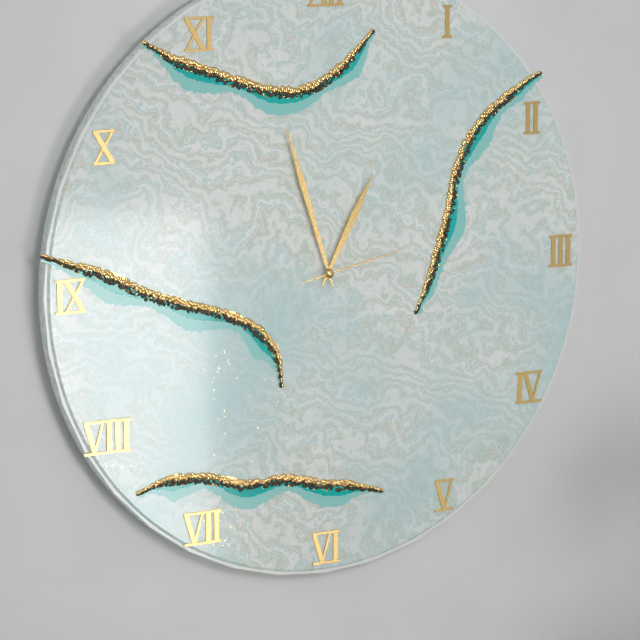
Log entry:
12h57m13s
